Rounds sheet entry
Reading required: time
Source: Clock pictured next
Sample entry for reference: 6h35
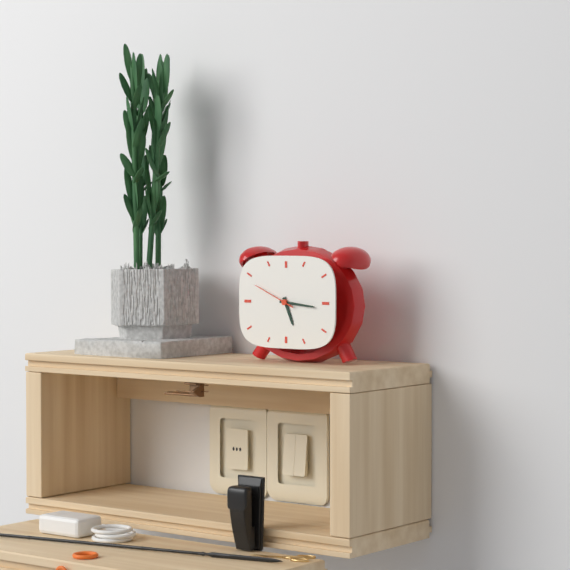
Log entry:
5h16
